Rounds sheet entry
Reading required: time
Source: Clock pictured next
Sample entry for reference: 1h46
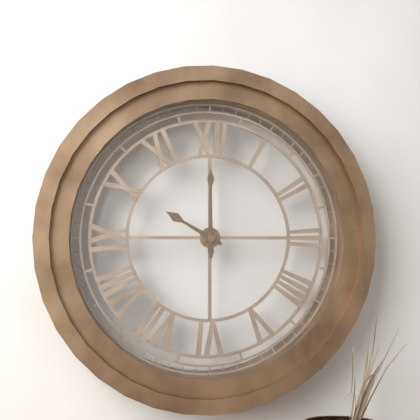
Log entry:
10h00
